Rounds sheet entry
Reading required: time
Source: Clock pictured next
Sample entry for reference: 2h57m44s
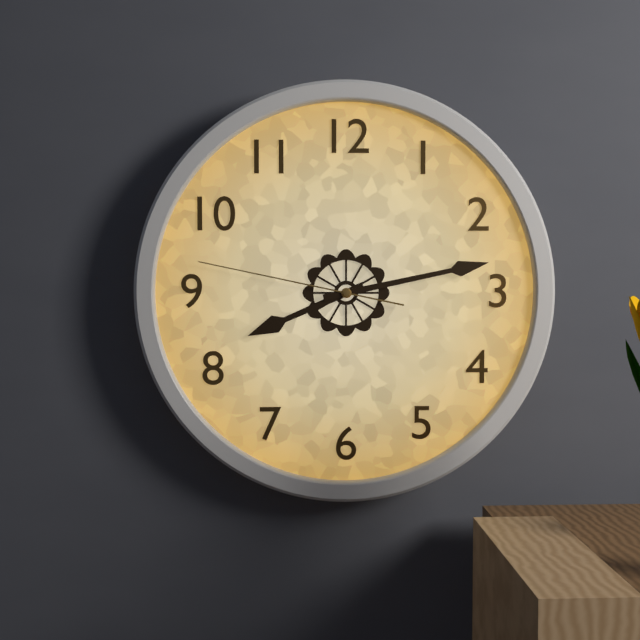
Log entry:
8h13m47s
